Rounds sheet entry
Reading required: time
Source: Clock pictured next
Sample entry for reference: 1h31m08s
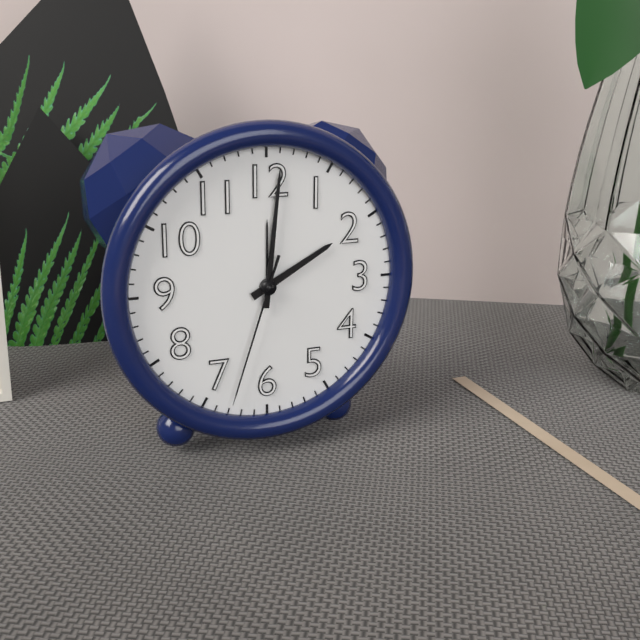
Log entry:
2h01m33s
